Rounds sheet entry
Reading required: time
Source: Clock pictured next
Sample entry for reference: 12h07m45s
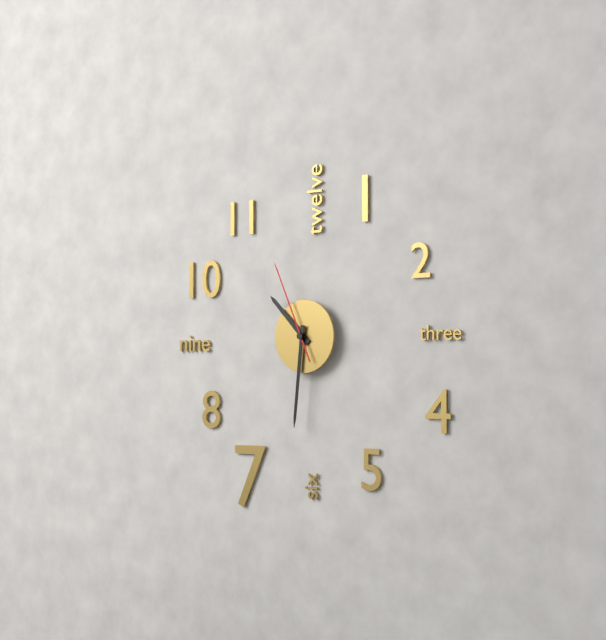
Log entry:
10h31m56s
